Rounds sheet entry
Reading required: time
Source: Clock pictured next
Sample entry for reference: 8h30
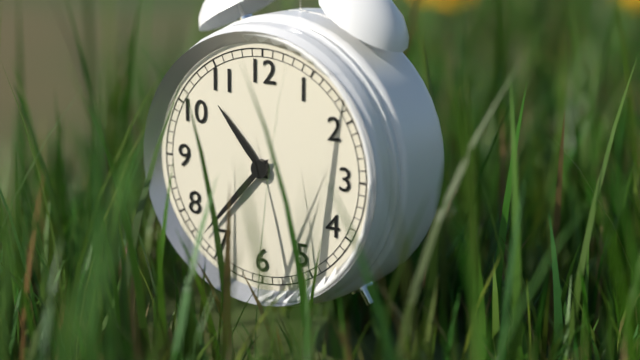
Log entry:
10h37
